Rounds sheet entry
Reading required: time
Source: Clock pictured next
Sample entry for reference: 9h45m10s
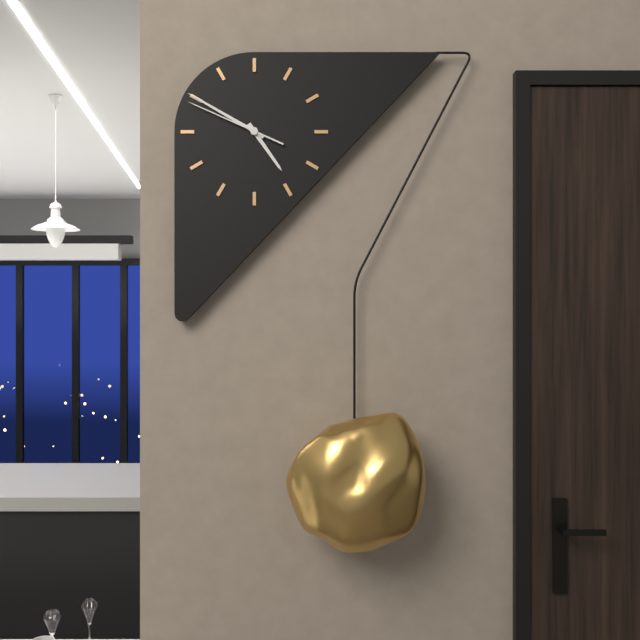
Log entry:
4h50m49s
